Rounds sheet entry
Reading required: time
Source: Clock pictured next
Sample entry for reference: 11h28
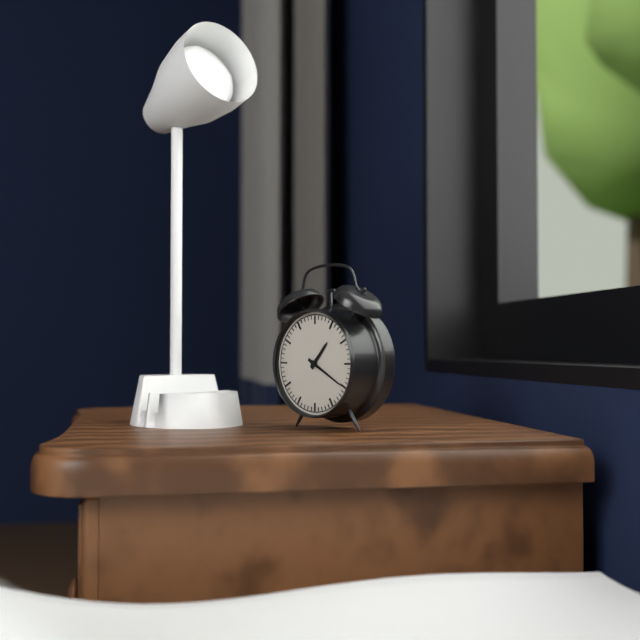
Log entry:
1h20
